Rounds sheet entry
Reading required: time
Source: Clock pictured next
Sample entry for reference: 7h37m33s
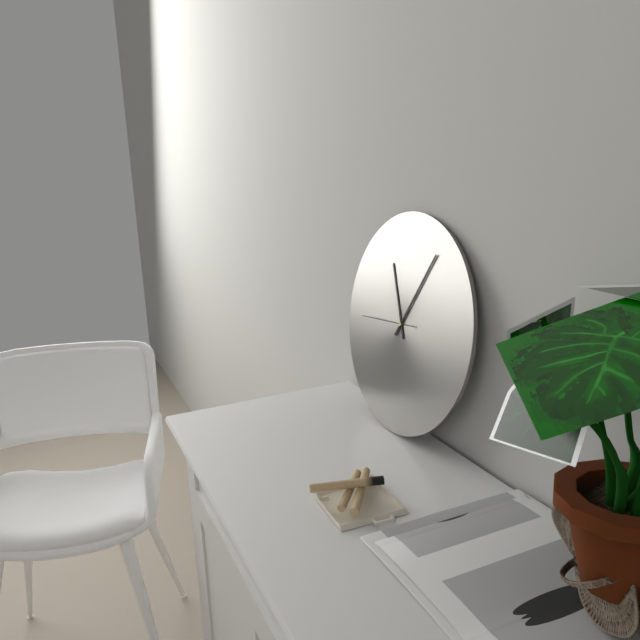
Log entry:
11h05m44s
